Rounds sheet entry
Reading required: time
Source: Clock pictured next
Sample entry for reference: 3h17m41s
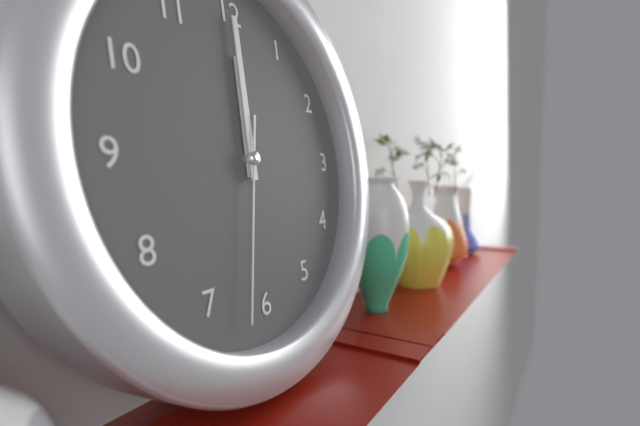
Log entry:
12h00m32s
